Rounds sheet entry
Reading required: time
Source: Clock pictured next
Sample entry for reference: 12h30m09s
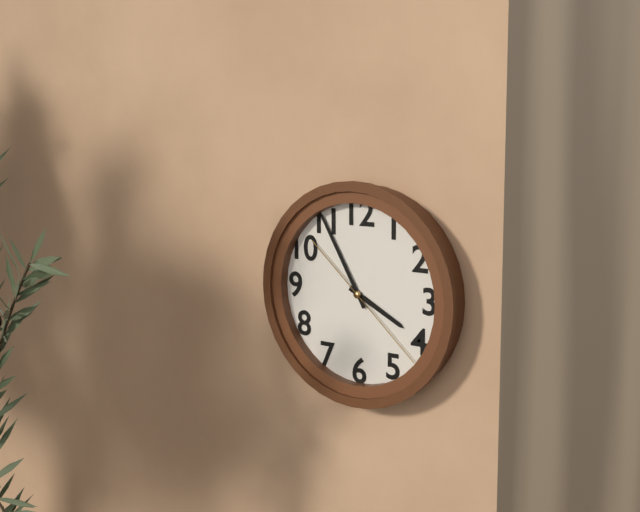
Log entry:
3h55m22s
